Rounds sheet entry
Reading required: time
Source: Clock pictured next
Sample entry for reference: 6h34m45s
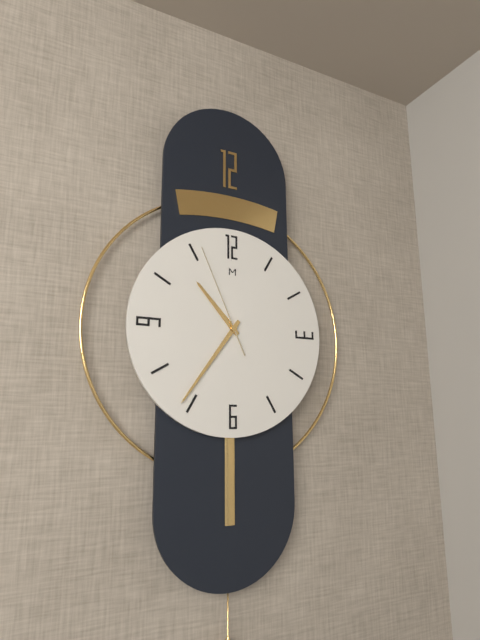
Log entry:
10h36m56s
